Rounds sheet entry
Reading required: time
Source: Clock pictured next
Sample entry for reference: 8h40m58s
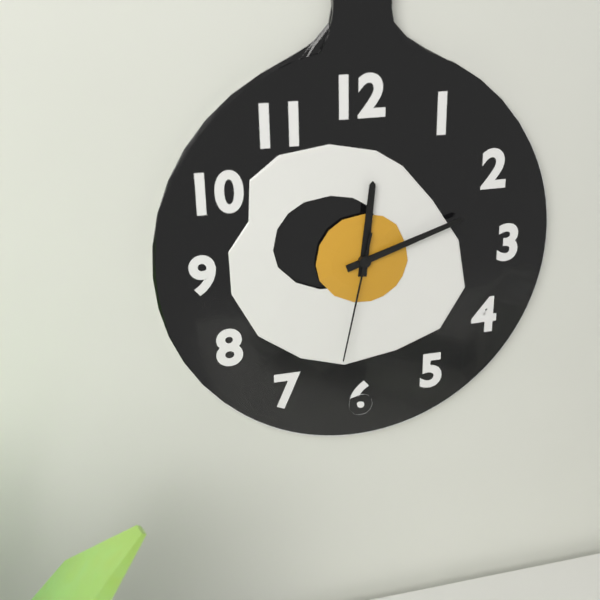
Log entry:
12h12m32s
